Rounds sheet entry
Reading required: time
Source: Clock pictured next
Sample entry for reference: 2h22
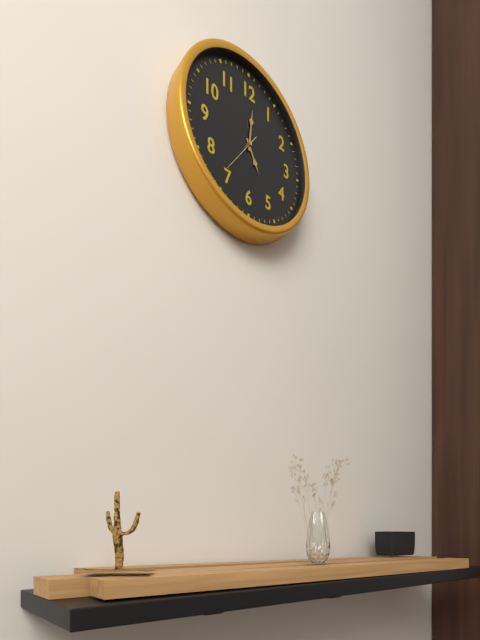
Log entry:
5h01
